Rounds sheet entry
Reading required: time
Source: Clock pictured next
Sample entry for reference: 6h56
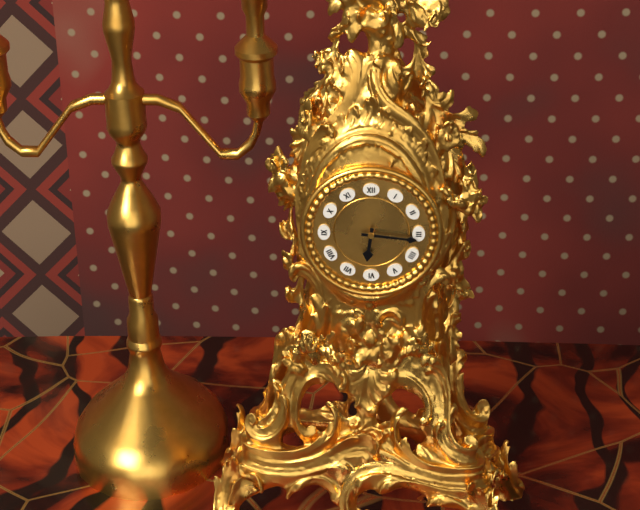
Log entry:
6h16
